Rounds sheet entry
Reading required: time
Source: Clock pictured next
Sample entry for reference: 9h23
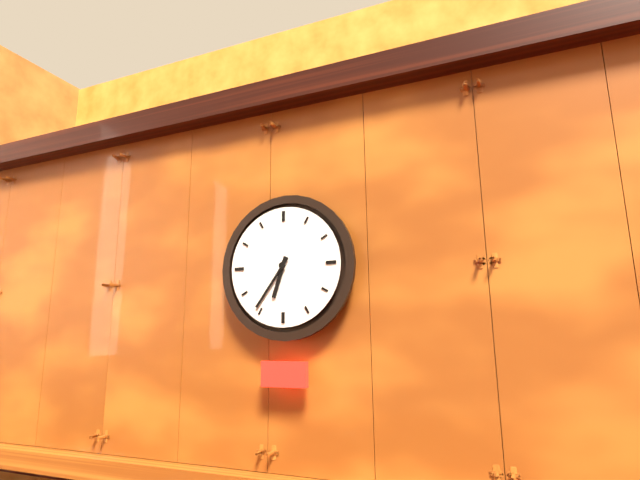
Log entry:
6h36
